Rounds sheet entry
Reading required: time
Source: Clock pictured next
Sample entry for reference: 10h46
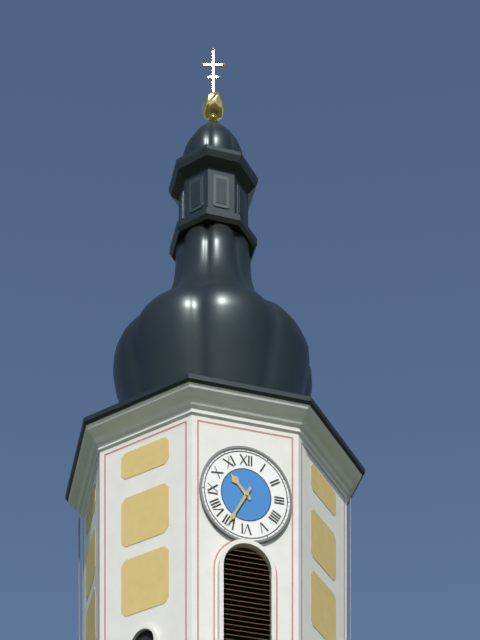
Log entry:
10h35
